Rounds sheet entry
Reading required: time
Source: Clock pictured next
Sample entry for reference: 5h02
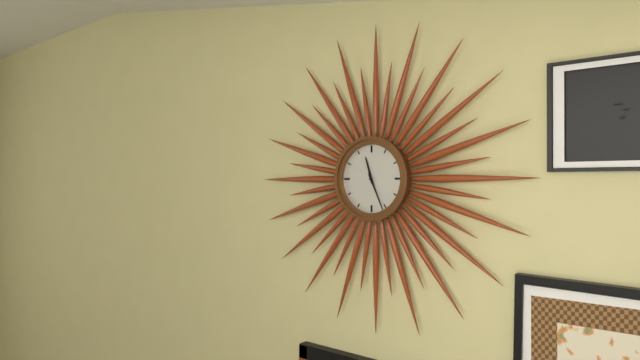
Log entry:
11h26
